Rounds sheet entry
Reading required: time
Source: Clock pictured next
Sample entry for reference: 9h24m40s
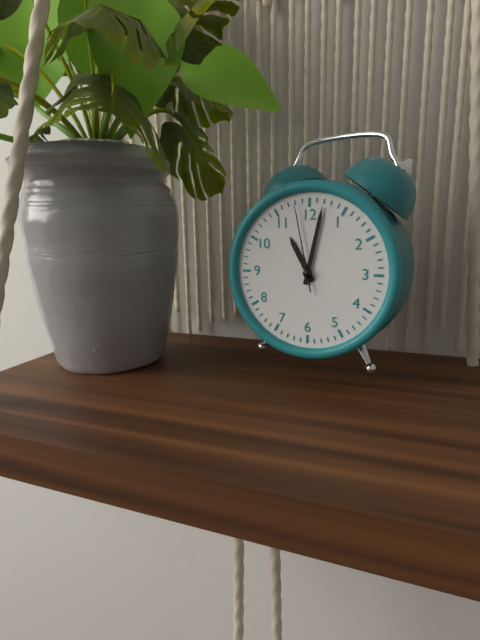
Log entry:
11h02m58s
